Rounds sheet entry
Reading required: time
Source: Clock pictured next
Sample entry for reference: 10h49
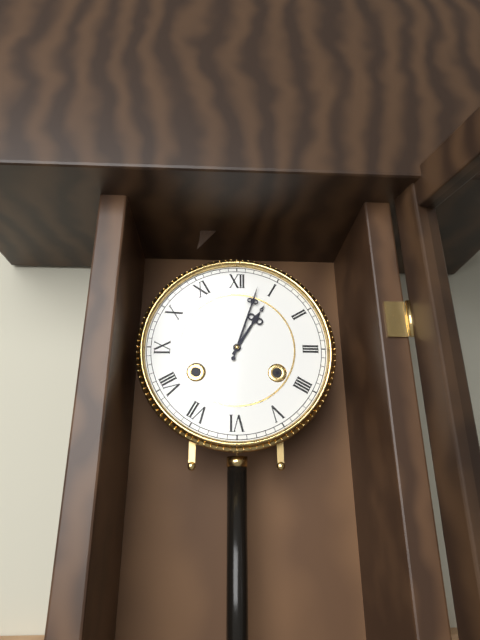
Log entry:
1h03
